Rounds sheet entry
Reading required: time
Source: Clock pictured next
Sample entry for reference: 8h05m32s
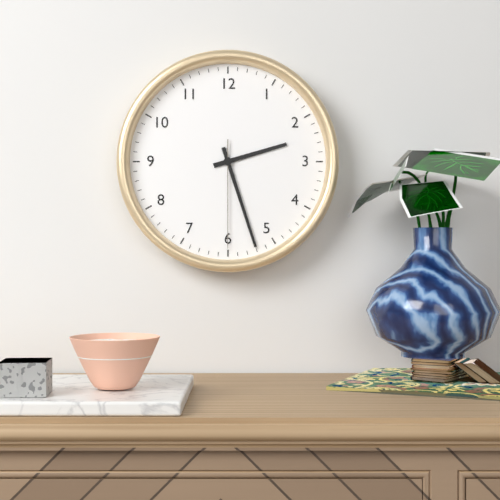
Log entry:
2h27m30s
